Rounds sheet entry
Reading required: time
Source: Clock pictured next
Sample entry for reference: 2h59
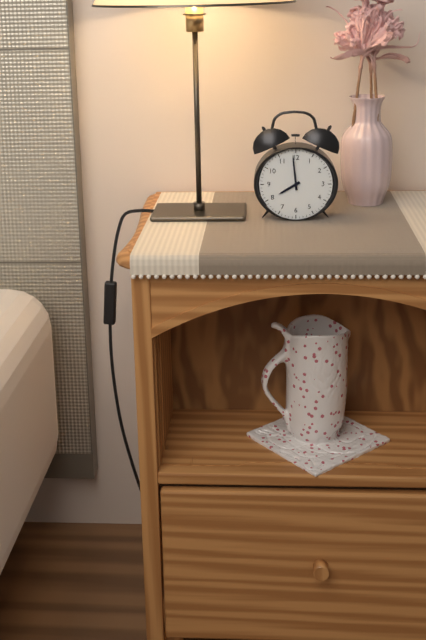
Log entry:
7h59
